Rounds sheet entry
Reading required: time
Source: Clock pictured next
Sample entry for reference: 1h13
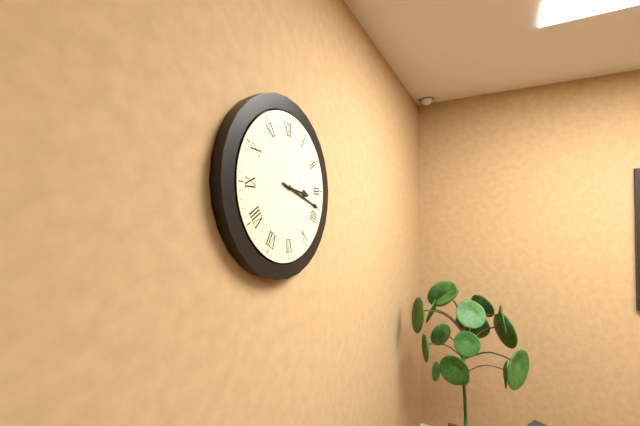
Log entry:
3h18
